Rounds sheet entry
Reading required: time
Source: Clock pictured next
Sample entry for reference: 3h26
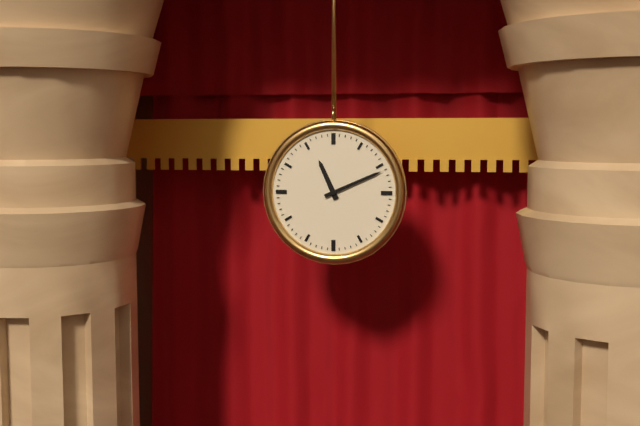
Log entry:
11h11
